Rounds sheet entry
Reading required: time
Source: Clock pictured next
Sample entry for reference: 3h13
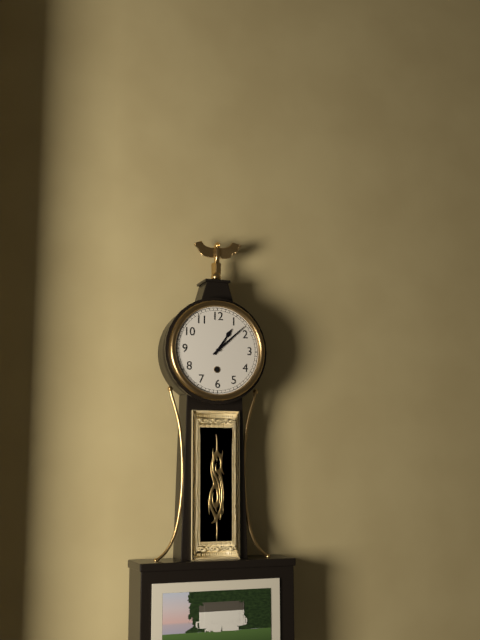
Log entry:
1h08
